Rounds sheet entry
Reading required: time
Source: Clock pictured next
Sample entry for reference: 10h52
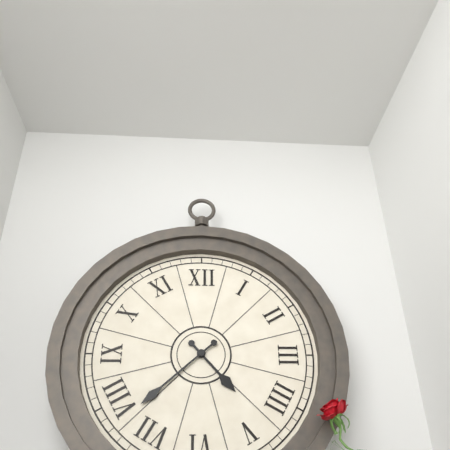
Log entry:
4h38
